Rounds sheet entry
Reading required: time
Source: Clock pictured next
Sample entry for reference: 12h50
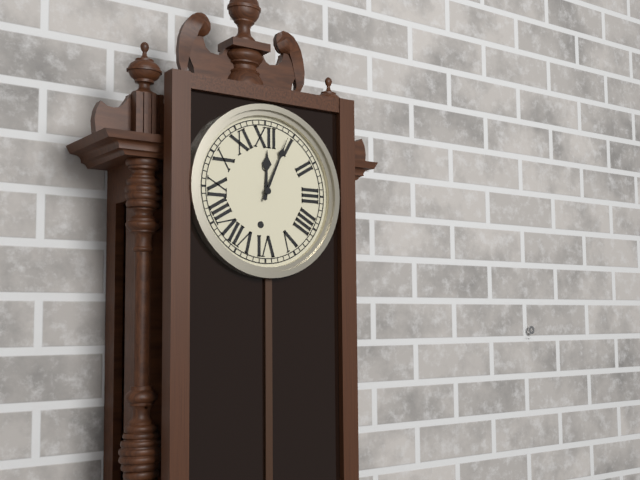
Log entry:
12h04
